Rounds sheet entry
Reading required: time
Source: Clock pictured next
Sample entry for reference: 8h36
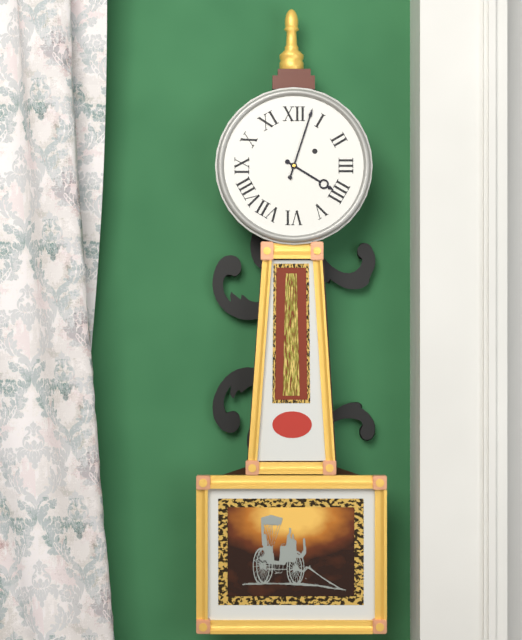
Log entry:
4h03
